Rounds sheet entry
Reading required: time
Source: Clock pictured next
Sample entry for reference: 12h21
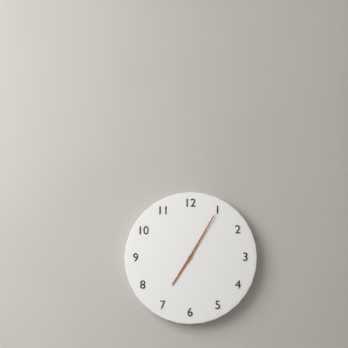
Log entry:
7h05
